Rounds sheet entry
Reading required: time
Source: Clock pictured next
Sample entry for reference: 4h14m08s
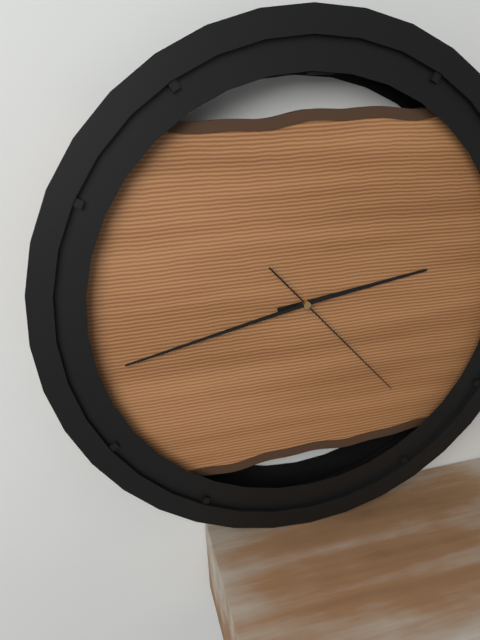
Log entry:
2h43m23s
